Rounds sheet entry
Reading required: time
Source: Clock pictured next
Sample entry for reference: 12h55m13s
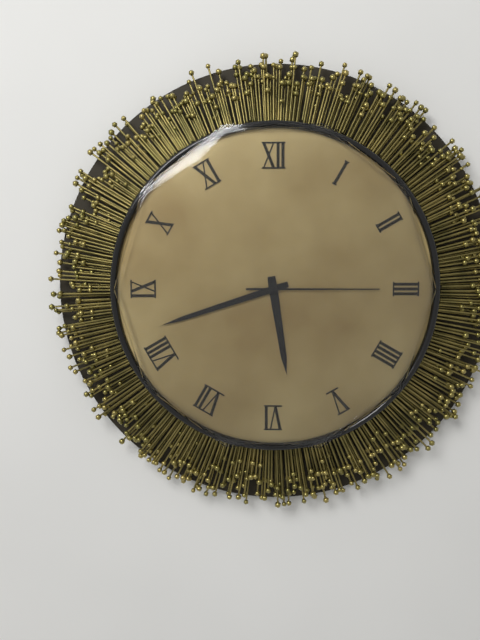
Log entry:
5h42m15s
